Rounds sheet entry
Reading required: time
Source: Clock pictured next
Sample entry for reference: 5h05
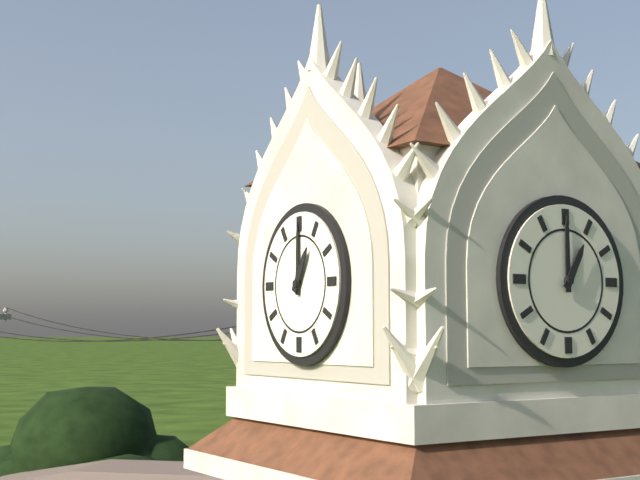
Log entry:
1h00
